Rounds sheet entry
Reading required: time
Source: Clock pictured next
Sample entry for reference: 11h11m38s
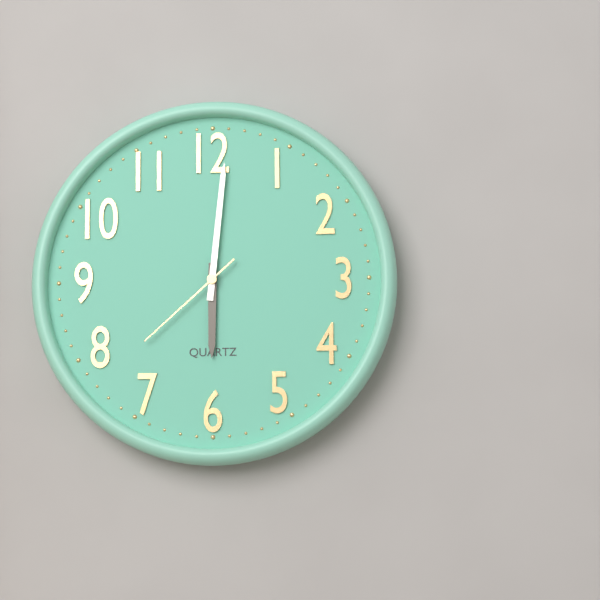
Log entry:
6h01m38s
